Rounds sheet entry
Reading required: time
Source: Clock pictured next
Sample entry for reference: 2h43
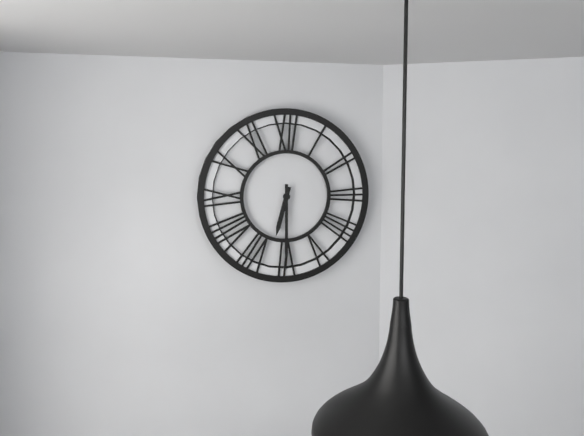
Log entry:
6h30
